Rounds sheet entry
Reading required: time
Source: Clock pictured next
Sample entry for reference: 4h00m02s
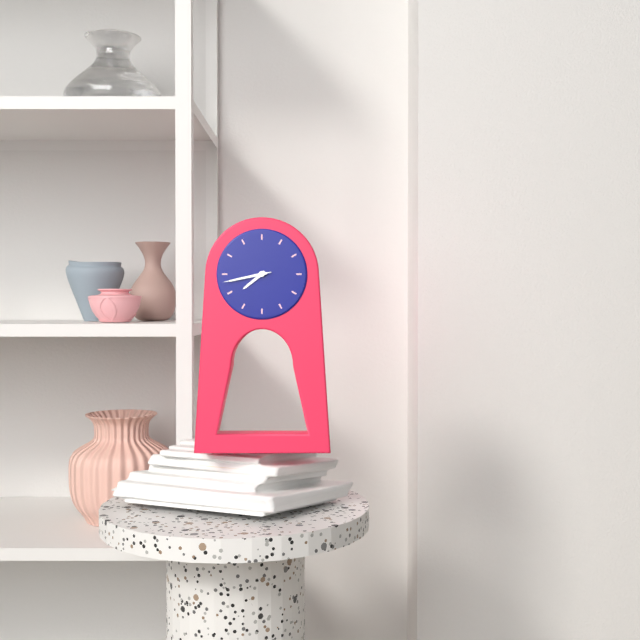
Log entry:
7h43m43s
